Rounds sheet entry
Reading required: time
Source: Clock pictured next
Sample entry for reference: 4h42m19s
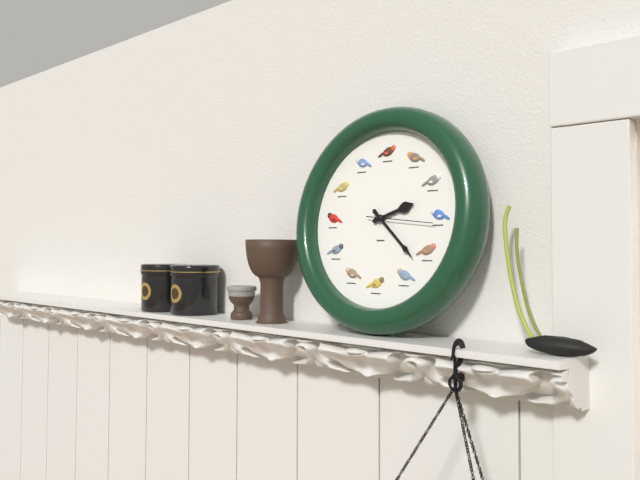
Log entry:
2h22m16s
